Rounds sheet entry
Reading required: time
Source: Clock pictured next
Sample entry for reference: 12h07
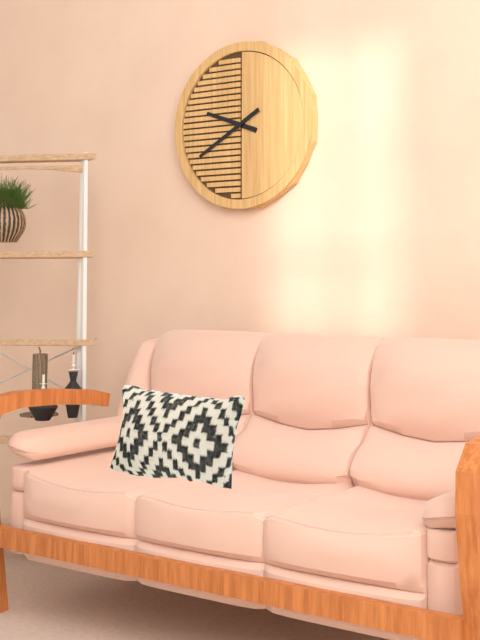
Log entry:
9h40
